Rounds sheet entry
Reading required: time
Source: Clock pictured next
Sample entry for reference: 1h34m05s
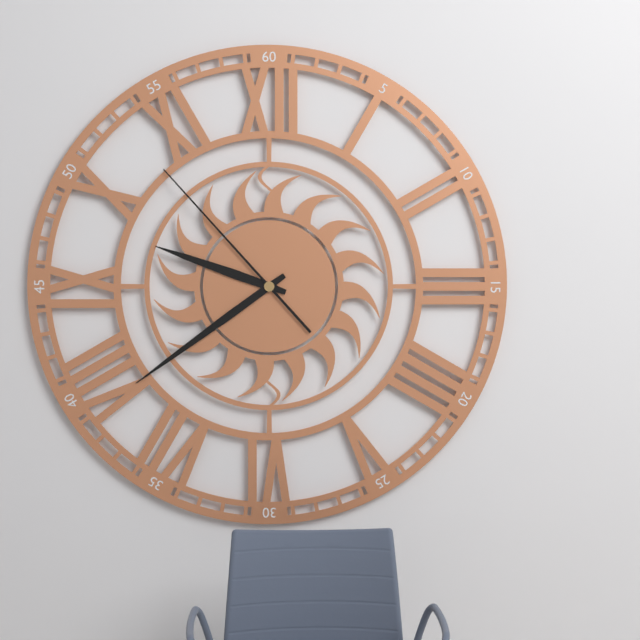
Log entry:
9h39m53s
